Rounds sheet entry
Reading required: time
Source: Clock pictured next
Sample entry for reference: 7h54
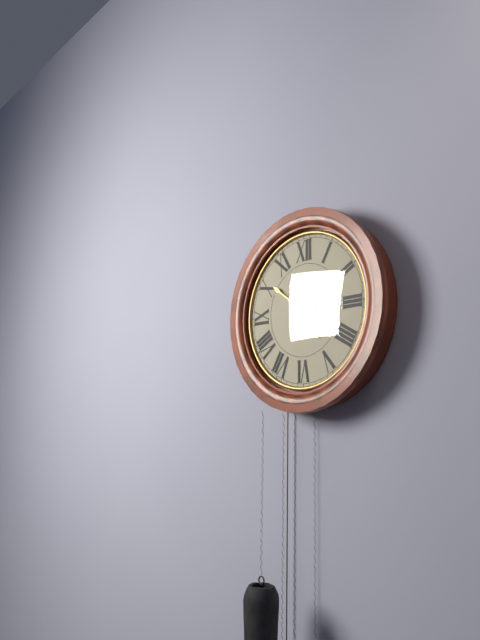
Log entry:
4h51
